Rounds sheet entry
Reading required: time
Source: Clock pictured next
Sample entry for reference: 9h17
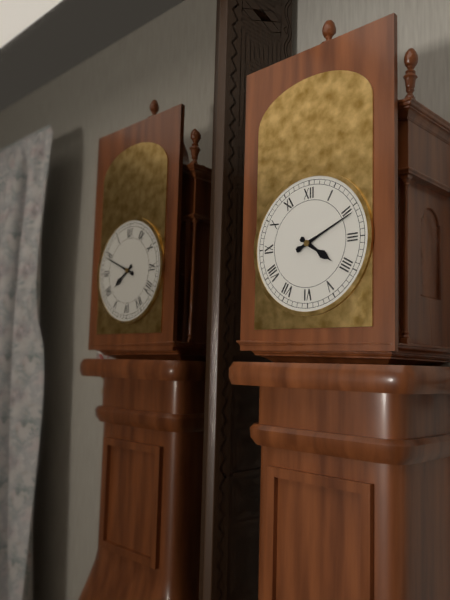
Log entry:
4h11
